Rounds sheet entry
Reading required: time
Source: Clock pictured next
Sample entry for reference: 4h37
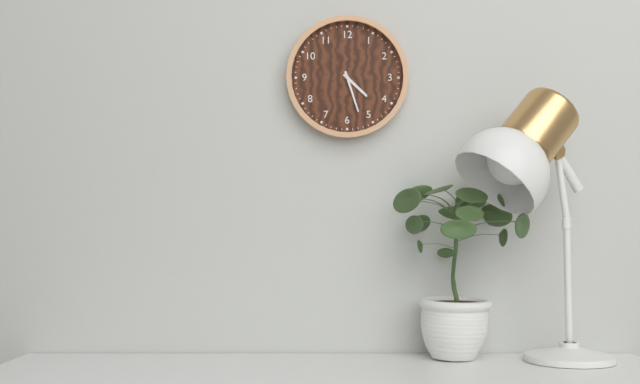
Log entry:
4h27
